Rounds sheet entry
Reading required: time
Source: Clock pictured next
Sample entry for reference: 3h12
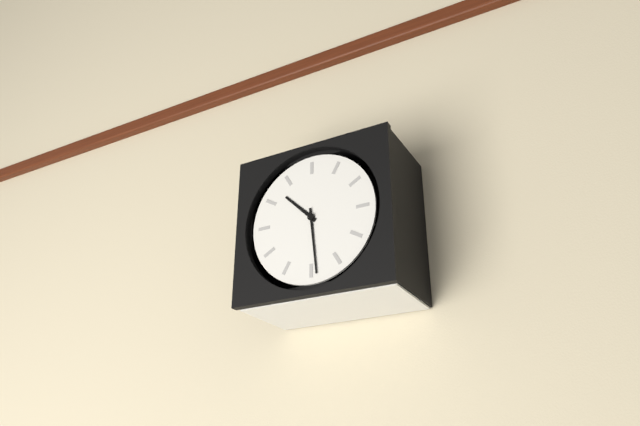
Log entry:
10h29
